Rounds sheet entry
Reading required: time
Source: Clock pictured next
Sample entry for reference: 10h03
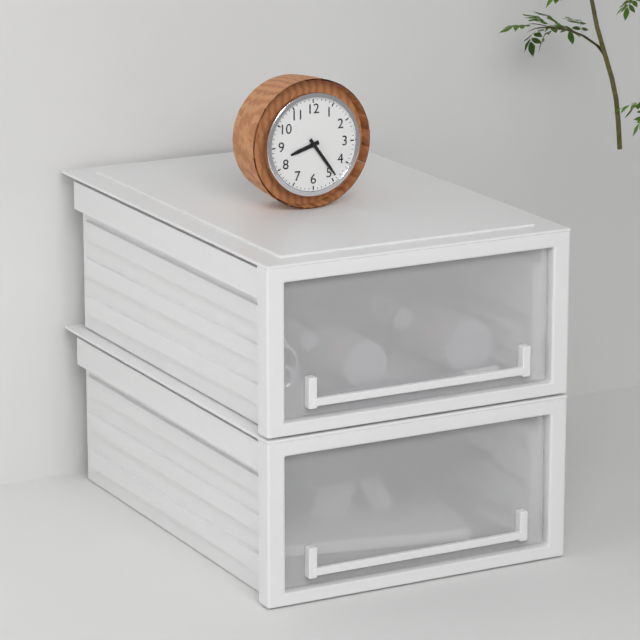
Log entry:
8h24
